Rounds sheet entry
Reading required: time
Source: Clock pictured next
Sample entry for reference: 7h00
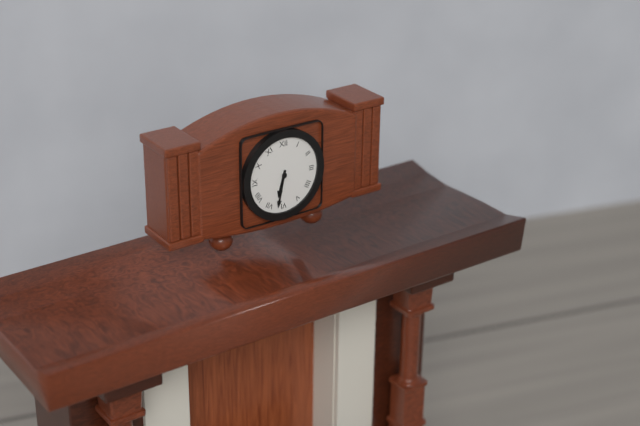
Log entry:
6h32
